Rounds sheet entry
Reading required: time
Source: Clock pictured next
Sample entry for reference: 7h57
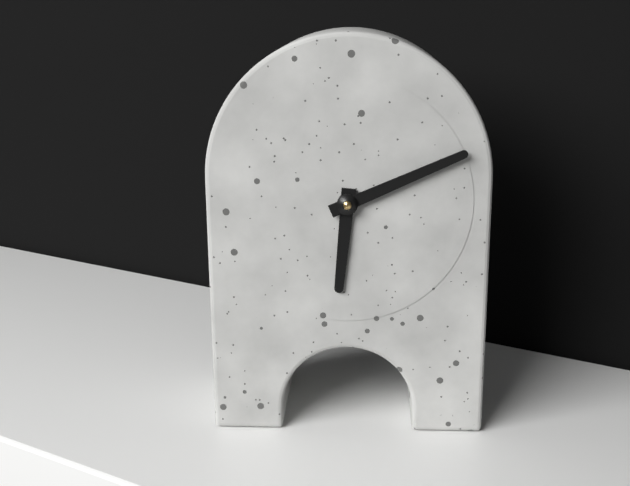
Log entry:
6h11
